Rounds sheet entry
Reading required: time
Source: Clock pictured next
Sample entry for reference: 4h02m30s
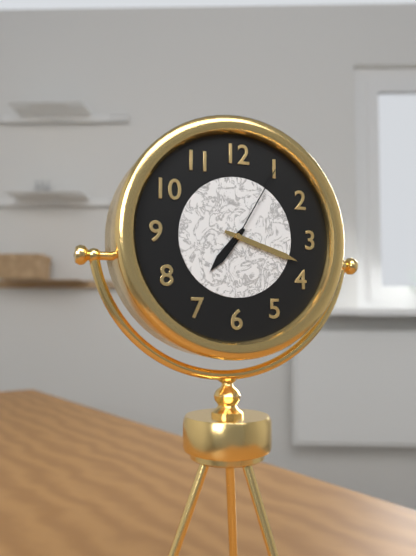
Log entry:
7h18m05s
